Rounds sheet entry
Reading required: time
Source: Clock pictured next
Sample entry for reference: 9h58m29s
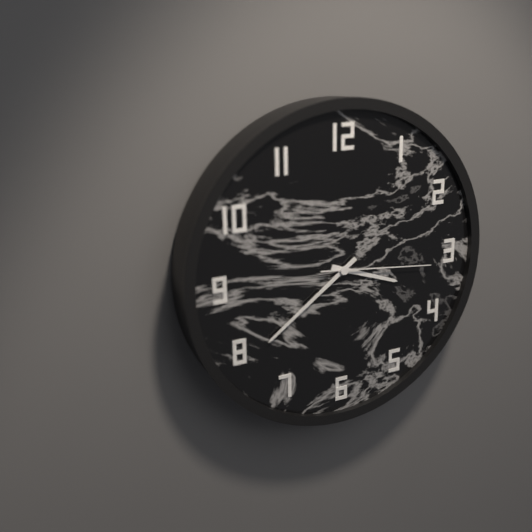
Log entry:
3h39m16s
